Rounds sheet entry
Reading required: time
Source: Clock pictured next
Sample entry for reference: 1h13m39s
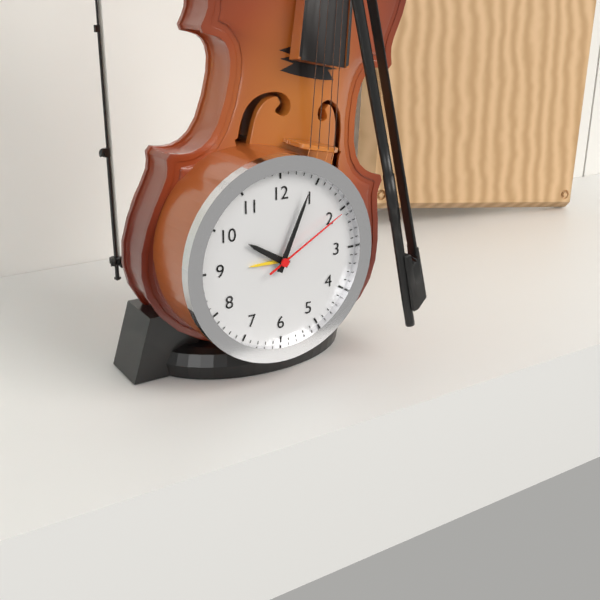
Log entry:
10h04m10s
